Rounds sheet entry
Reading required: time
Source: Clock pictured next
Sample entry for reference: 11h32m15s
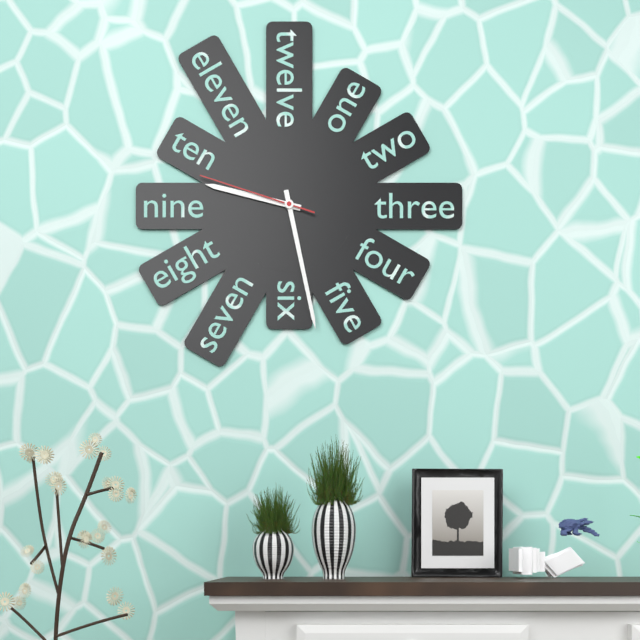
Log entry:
9h28m48s
